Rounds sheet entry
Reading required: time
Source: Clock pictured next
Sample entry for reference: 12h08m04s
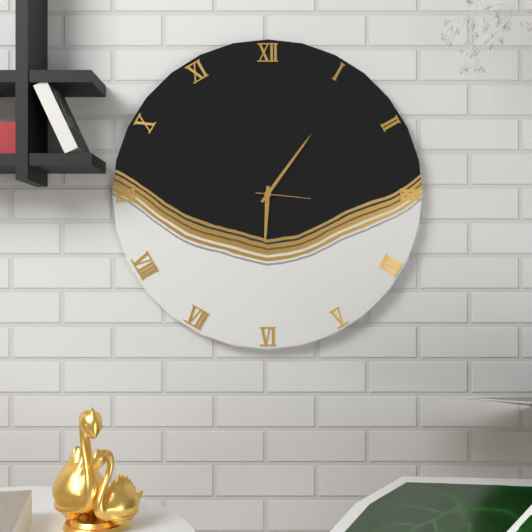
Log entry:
6h06m16s
